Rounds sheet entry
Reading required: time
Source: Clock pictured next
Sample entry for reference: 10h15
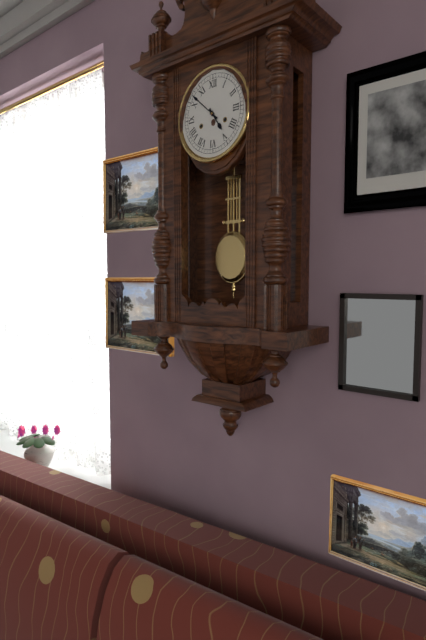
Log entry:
4h52
